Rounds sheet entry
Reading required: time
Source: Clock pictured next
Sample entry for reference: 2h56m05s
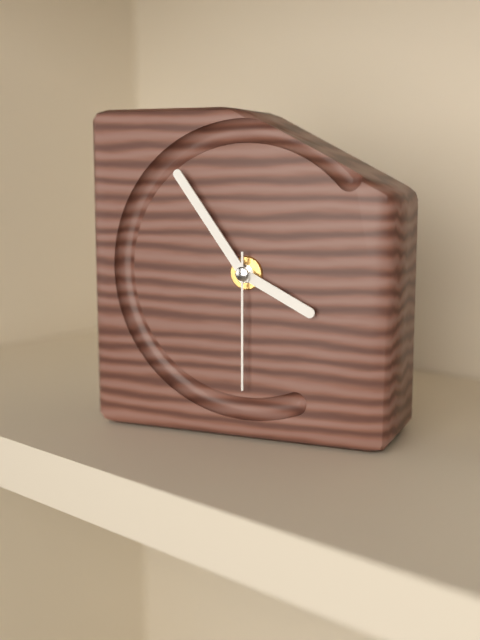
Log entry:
3h54m30s
